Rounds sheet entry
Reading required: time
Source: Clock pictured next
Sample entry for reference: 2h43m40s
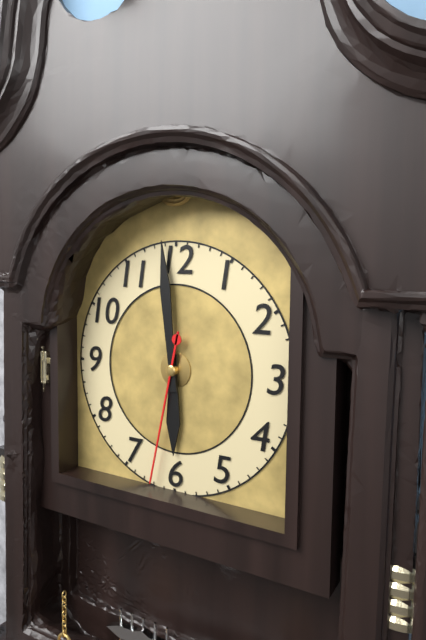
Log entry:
5h59m32s
